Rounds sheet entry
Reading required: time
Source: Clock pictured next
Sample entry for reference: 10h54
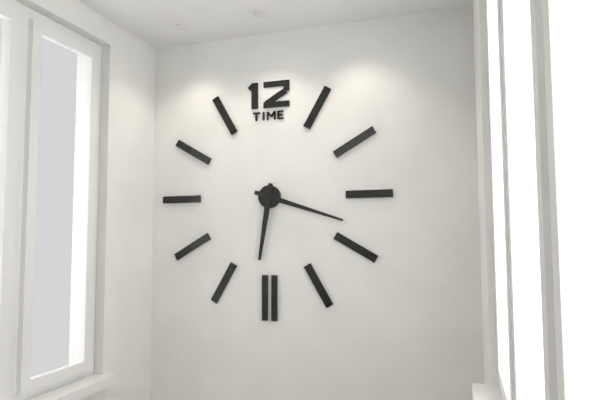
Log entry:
6h18
